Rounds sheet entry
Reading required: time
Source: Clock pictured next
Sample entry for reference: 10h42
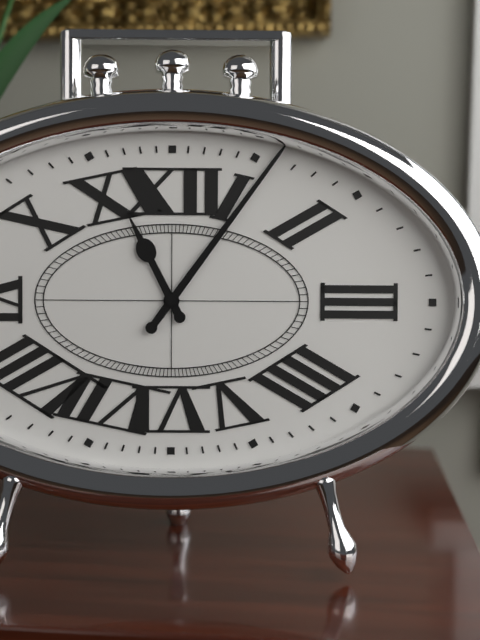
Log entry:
11h06
